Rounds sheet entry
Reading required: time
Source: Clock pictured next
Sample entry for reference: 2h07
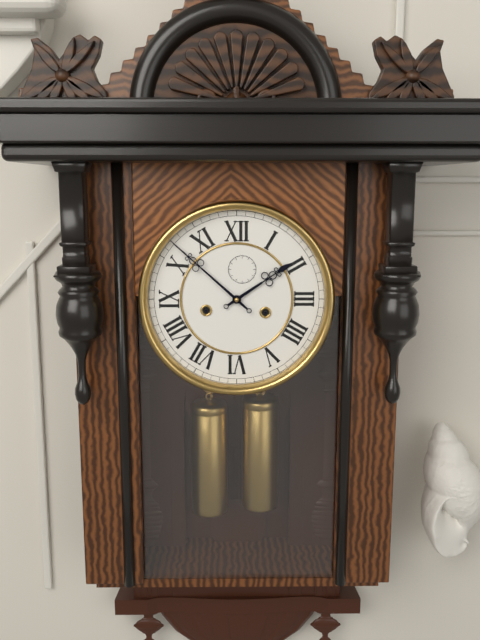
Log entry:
1h52
